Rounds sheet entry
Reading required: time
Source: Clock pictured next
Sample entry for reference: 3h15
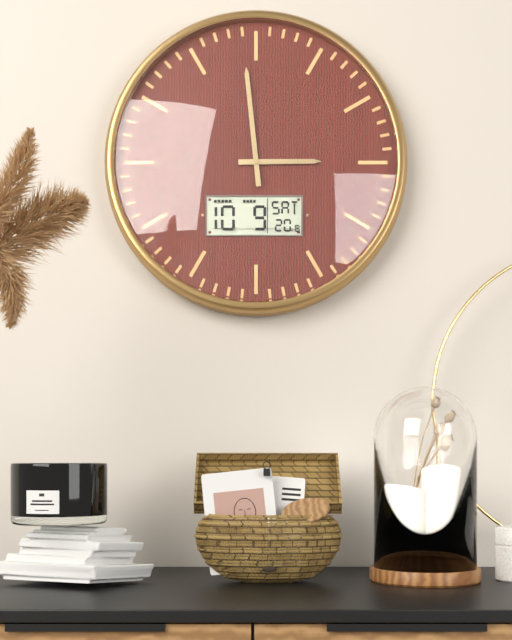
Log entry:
2h59
